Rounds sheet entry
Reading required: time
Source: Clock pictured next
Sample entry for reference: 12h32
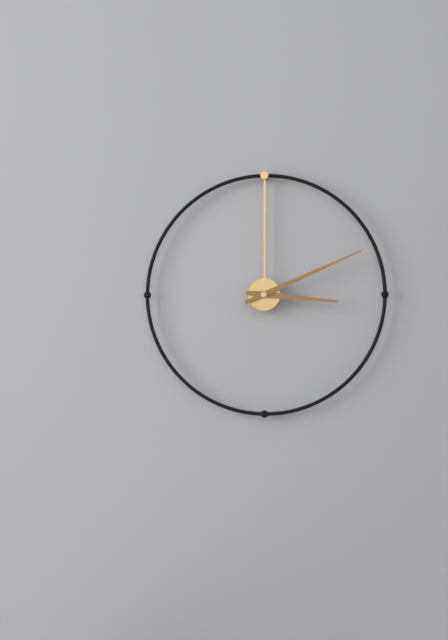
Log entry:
3h11
